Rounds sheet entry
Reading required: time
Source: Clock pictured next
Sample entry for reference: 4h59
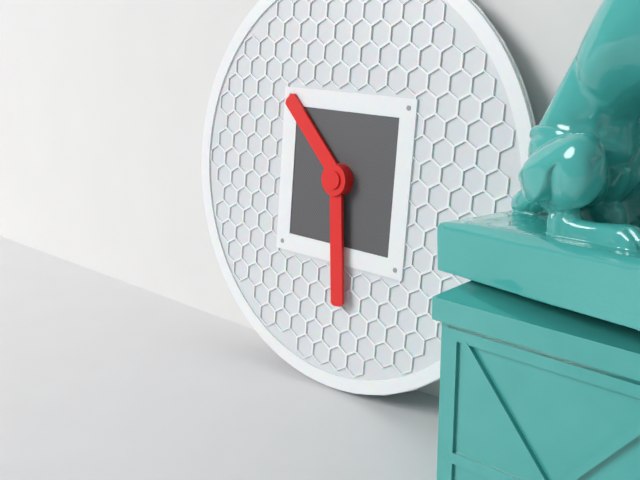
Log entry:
10h29
